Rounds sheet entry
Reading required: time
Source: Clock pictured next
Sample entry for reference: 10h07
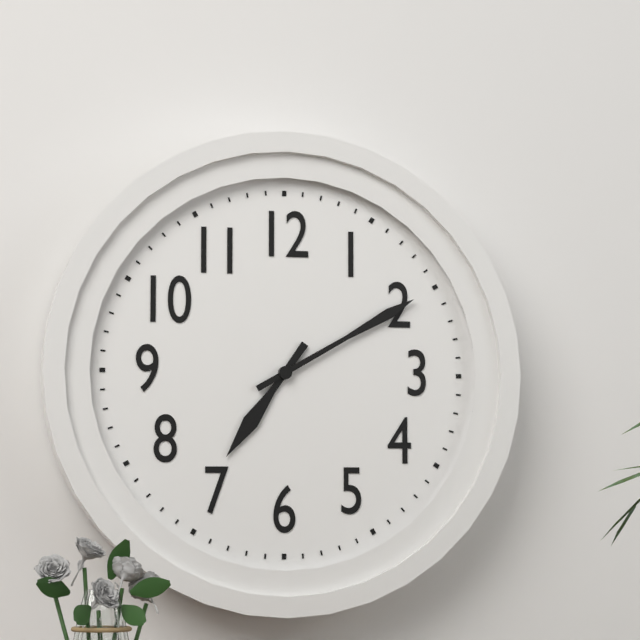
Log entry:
7h10
